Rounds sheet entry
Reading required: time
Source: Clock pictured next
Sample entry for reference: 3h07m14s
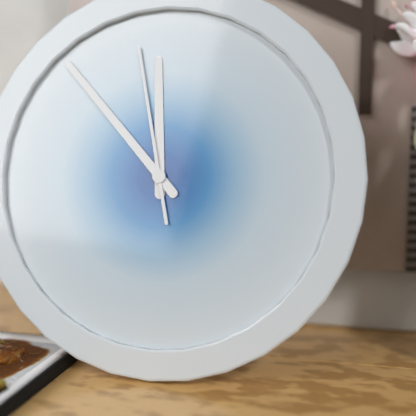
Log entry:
11h53m58s
